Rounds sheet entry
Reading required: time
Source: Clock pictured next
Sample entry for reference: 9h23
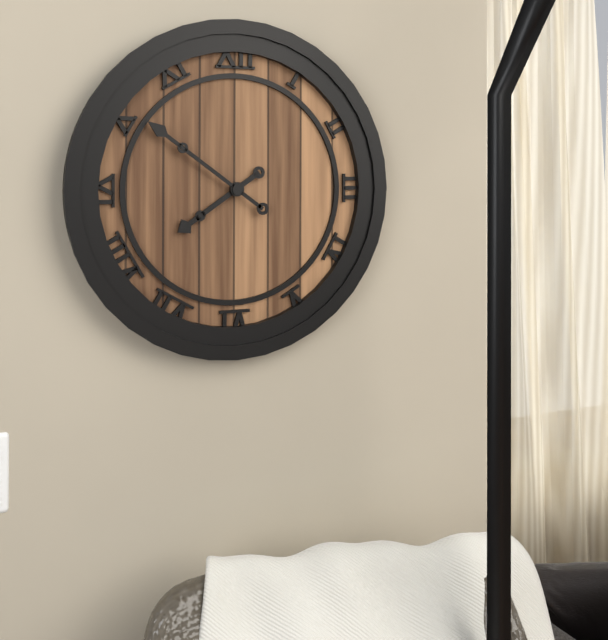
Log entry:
7h51
